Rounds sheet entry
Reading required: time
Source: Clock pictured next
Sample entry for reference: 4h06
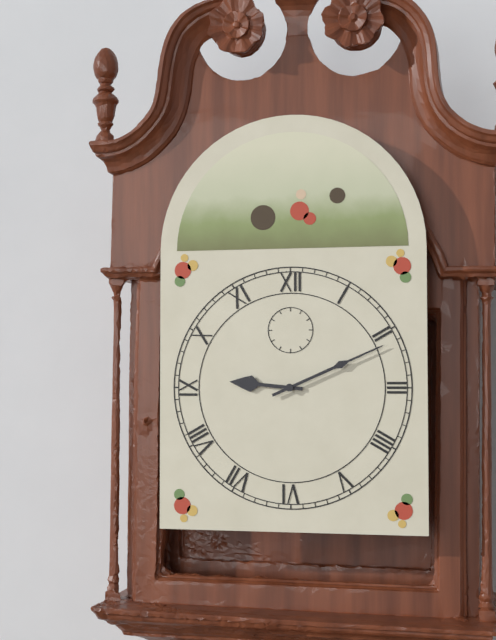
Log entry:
9h11
